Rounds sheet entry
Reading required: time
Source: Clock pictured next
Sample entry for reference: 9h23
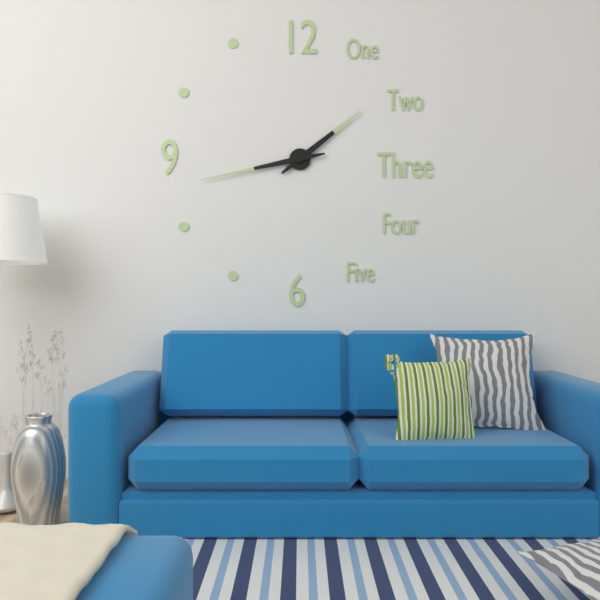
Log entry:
1h43
